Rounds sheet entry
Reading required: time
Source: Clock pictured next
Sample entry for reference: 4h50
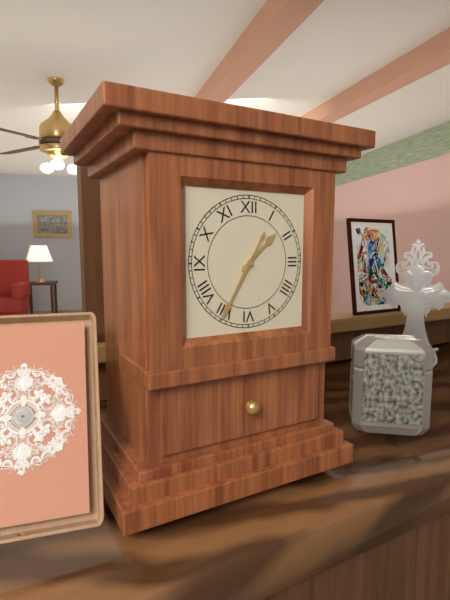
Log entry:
1h35
